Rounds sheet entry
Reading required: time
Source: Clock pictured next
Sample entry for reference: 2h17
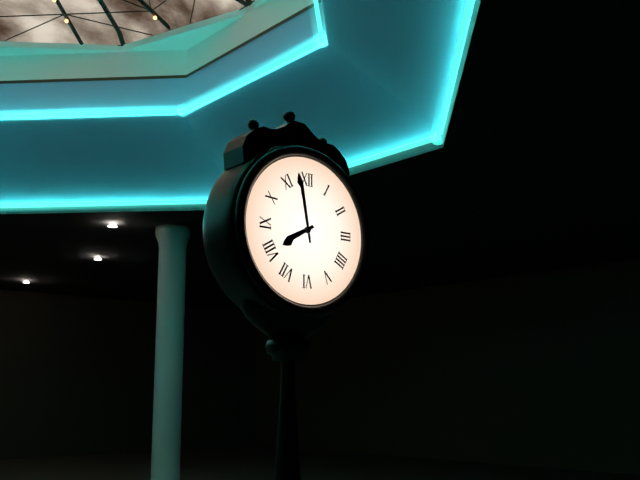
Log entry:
7h58
